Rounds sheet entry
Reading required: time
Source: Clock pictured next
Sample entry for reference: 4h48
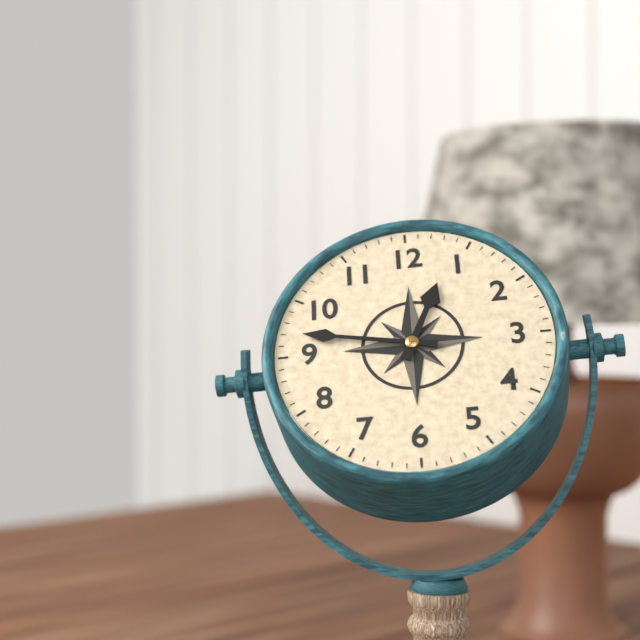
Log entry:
12h47
